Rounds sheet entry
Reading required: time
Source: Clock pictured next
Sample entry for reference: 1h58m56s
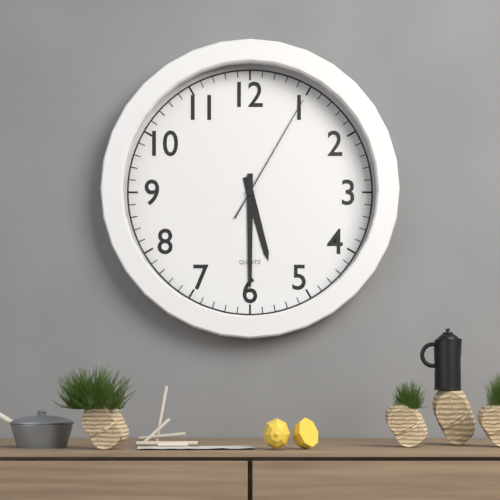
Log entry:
5h30m05s
